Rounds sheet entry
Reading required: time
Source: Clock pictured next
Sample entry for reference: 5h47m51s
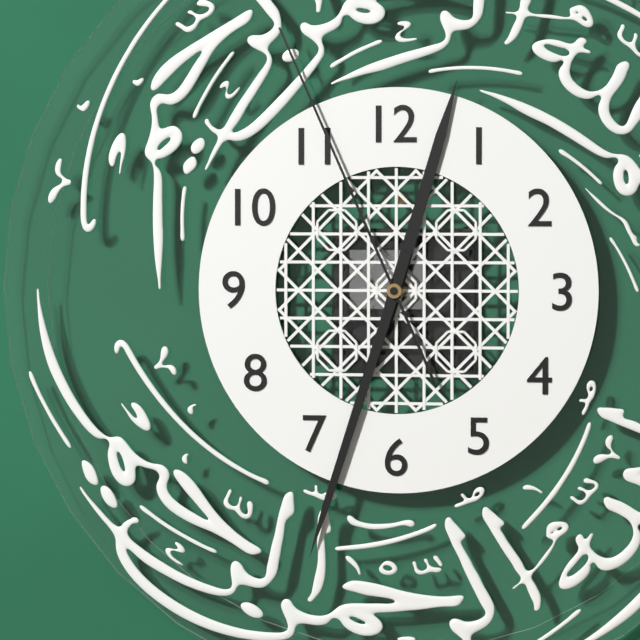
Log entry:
12h33m56s
